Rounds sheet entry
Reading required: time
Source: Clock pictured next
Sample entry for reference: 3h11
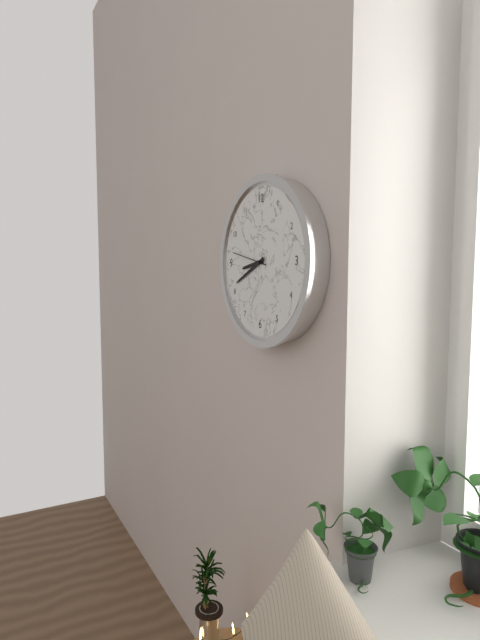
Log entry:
8h41
